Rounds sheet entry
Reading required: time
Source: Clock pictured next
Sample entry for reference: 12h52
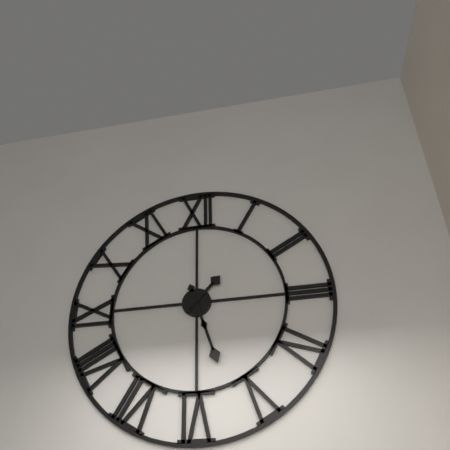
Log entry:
1h27
